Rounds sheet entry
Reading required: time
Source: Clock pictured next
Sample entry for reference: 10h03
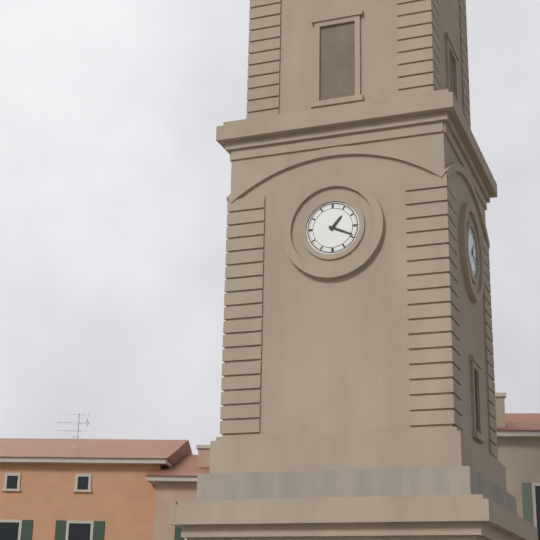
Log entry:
1h19
